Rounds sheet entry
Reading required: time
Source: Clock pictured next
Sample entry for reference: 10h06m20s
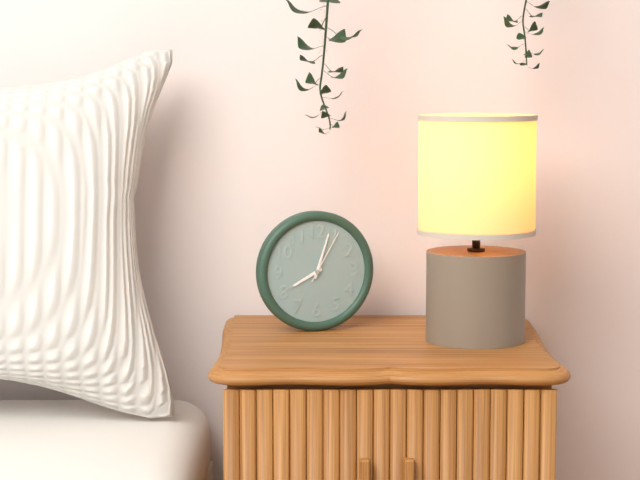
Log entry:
8h03m05s
